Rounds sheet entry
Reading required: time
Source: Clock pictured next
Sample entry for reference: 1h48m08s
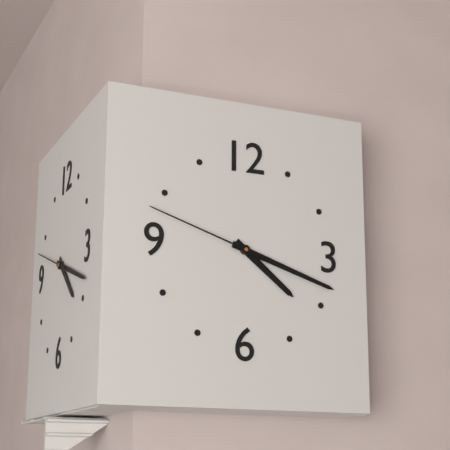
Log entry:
4h18m48s
